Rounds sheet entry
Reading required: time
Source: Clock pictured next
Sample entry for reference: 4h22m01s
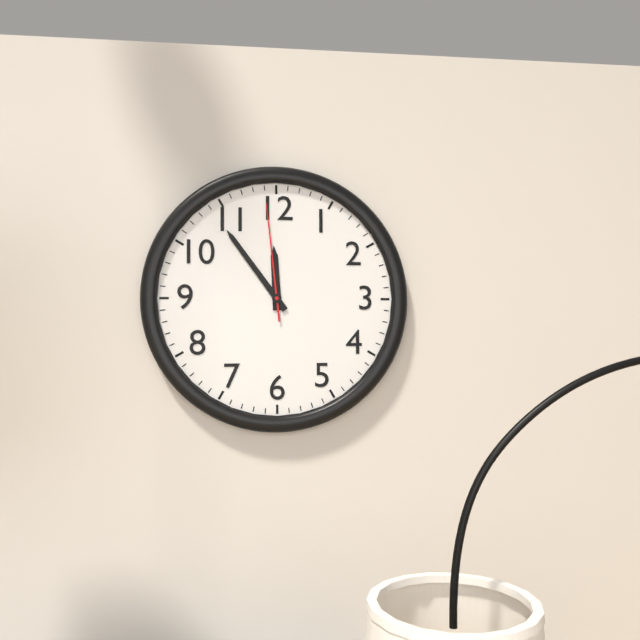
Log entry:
11h54m59s
